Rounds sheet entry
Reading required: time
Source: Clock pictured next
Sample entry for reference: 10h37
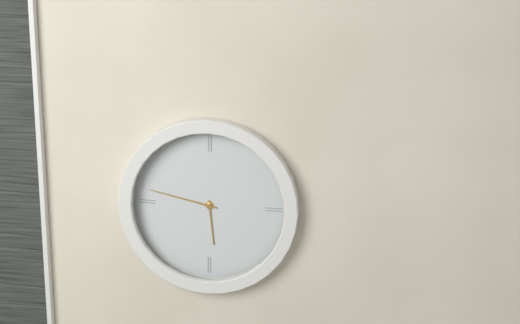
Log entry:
5h47
